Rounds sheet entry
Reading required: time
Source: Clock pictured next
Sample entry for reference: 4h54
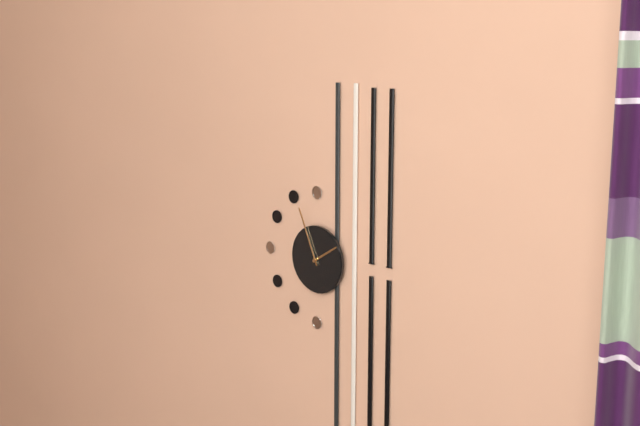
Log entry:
1h56
